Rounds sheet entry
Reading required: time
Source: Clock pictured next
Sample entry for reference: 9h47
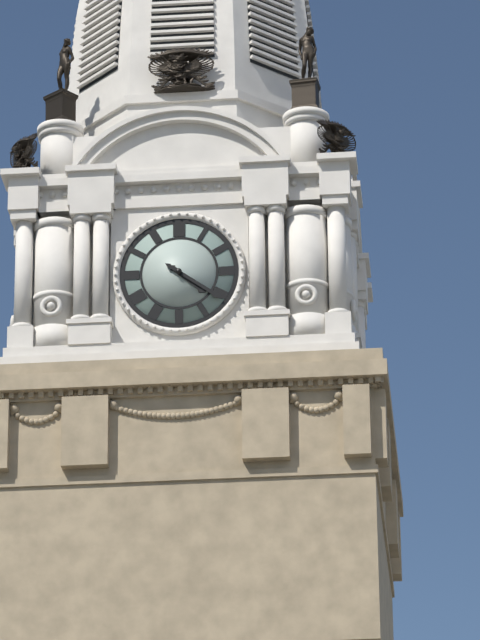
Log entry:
4h21
